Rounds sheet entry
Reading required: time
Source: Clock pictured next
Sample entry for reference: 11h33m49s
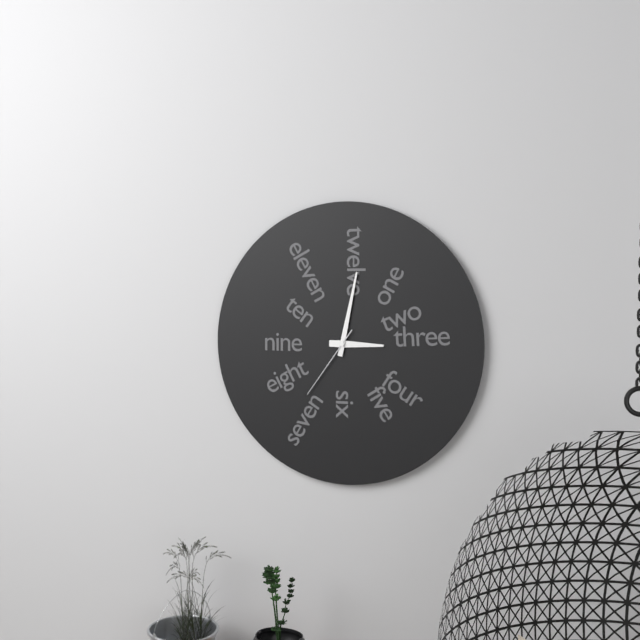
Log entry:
3h02m36s
